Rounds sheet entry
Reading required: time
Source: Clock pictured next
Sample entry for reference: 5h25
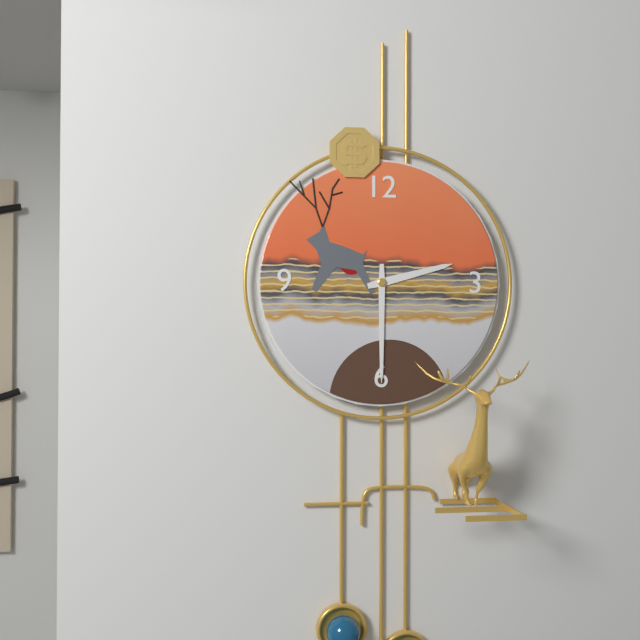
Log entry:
2h30
